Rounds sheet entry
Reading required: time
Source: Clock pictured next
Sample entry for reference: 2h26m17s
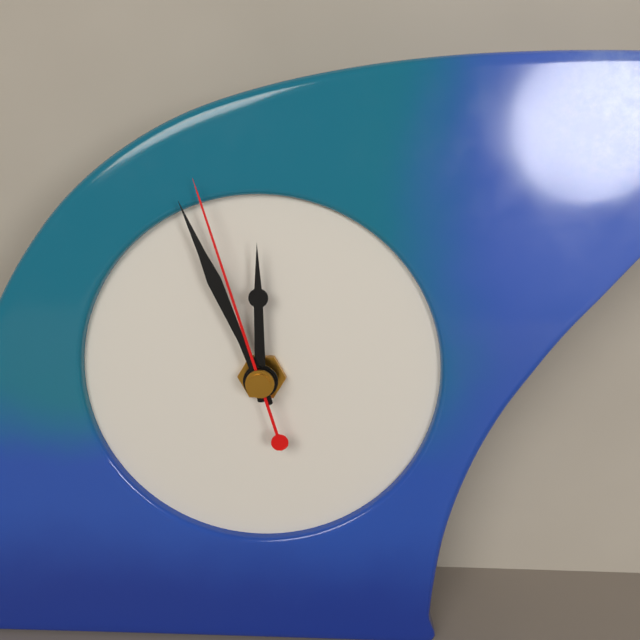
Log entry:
11h56m57s
